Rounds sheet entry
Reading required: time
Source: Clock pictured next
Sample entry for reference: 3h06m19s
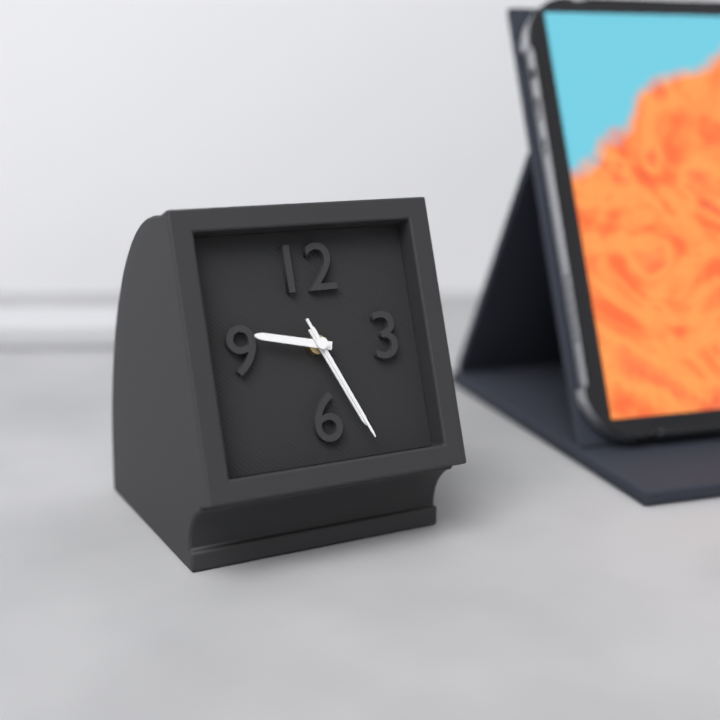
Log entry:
9h26m26s
